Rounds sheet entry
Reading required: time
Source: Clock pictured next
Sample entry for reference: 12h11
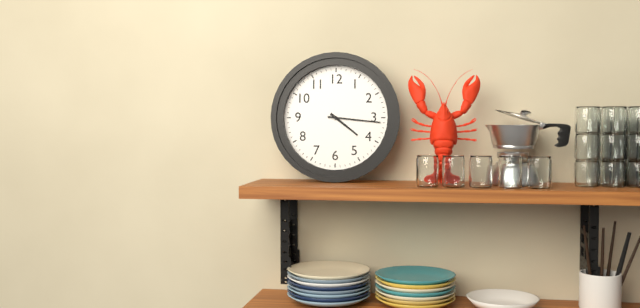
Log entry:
4h16
